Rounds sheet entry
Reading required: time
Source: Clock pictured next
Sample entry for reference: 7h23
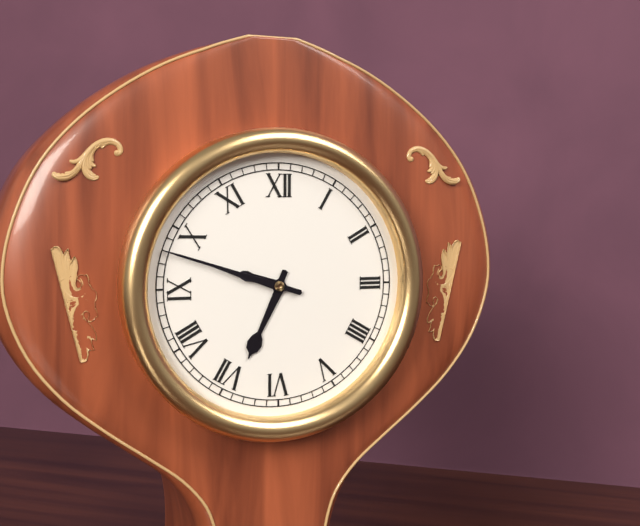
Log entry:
6h48
